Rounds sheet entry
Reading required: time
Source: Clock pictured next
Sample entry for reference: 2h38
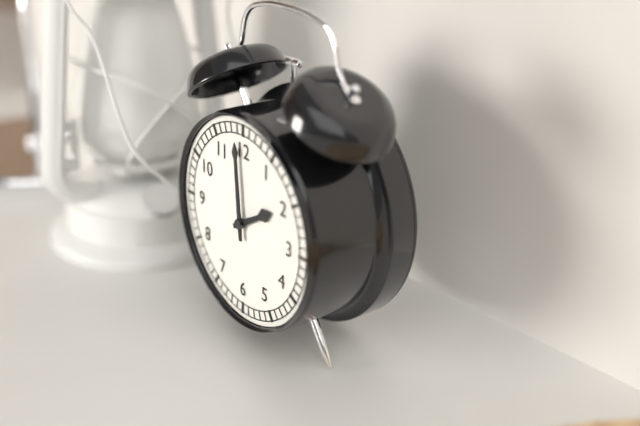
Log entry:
1h59
